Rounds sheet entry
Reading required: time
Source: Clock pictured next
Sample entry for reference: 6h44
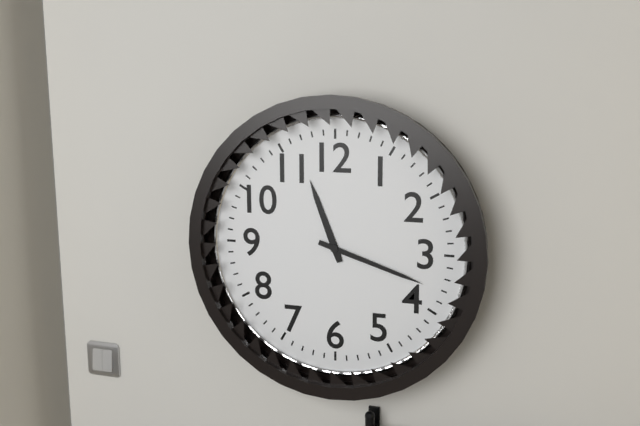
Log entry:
11h18
